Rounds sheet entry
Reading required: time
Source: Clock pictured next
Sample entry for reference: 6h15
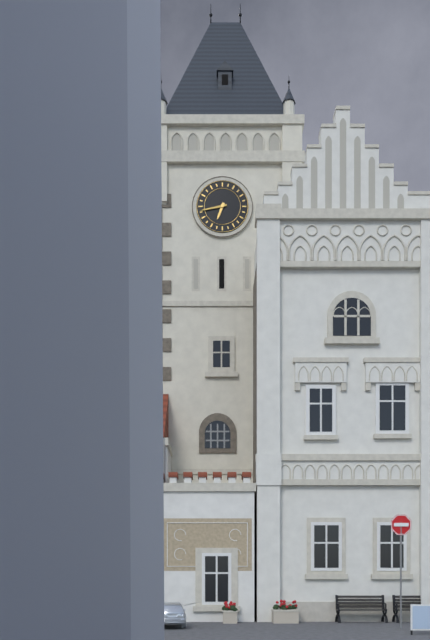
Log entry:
6h43
